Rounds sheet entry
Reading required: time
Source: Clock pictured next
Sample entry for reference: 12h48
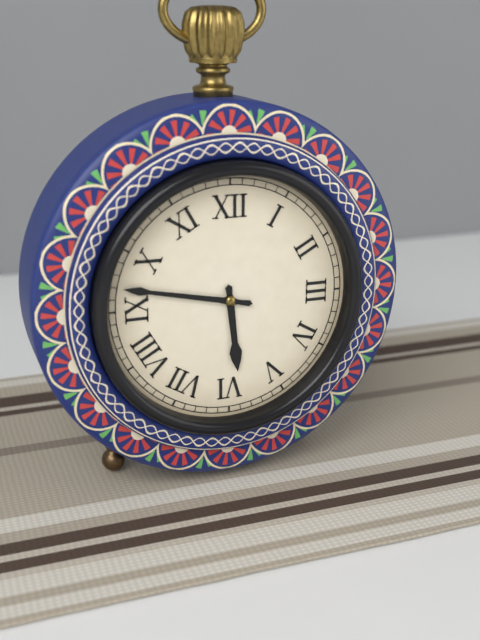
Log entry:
5h47
